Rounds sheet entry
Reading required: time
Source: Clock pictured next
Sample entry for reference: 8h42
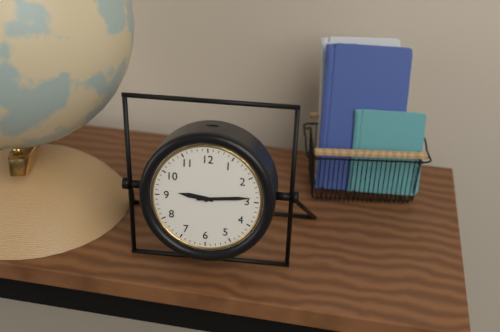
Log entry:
9h14
